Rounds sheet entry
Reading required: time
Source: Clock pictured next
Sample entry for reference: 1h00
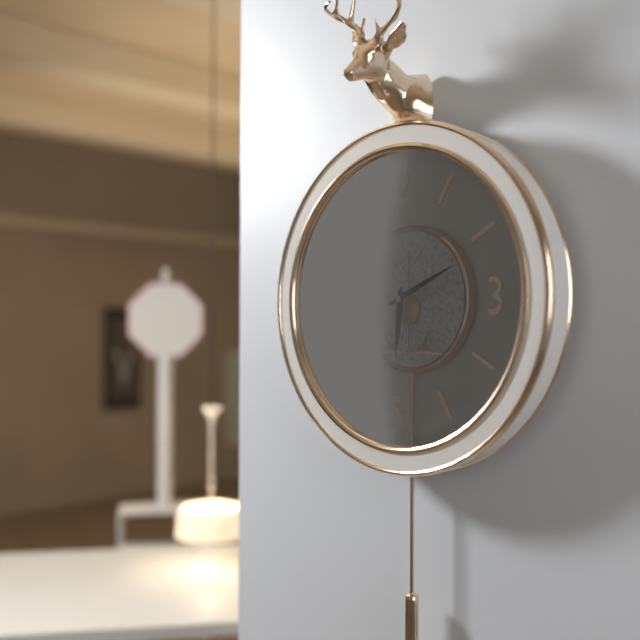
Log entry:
6h11
